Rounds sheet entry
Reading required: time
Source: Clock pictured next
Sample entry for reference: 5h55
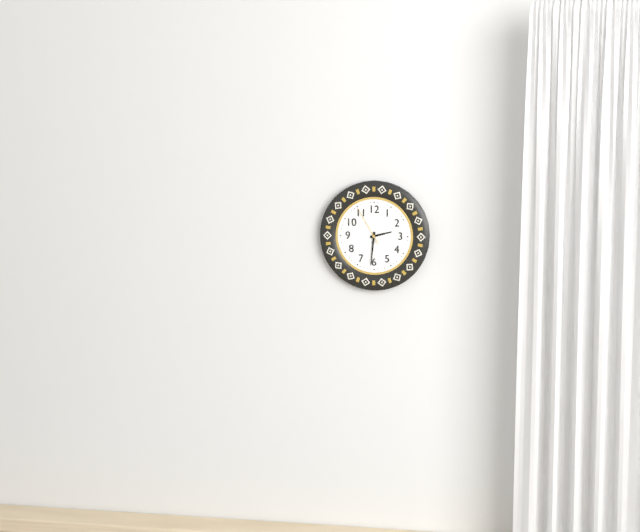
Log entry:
2h31
